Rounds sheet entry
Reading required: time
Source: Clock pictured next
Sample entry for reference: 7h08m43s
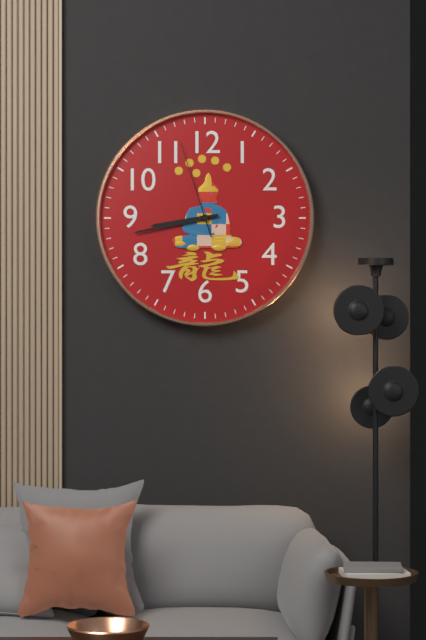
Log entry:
8h43m57s
